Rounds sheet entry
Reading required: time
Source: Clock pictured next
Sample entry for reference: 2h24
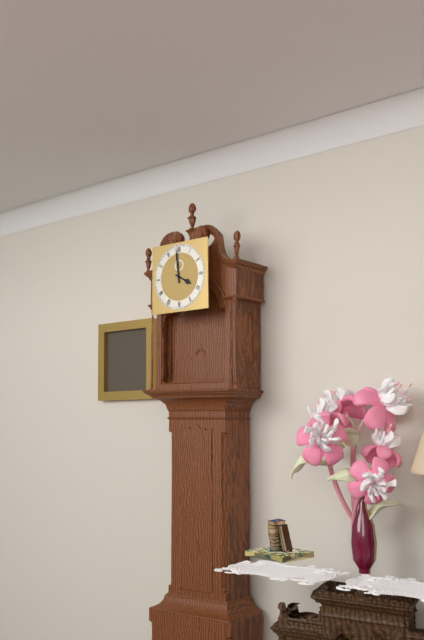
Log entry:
3h59
